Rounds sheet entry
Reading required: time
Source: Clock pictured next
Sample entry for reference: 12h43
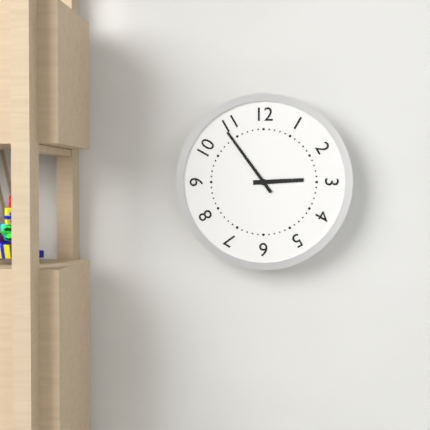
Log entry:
2h54
